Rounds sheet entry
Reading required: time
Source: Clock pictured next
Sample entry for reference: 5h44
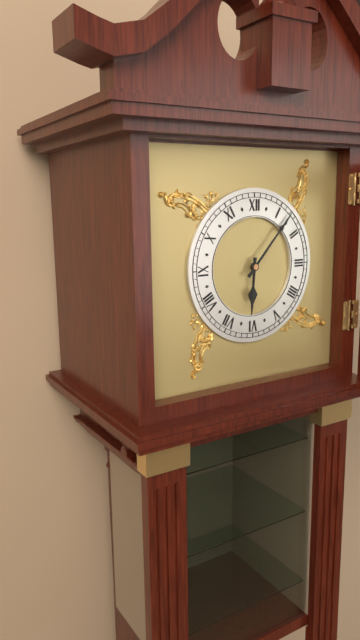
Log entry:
6h07
